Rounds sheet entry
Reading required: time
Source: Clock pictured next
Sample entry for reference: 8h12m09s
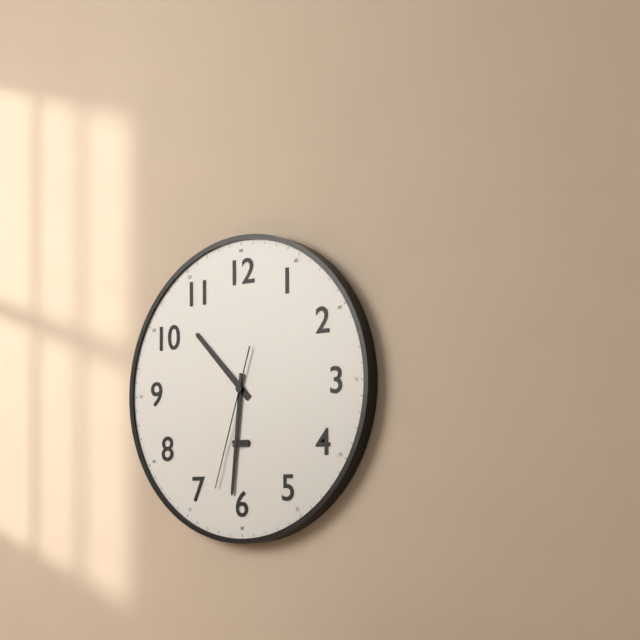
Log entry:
10h31m33s
